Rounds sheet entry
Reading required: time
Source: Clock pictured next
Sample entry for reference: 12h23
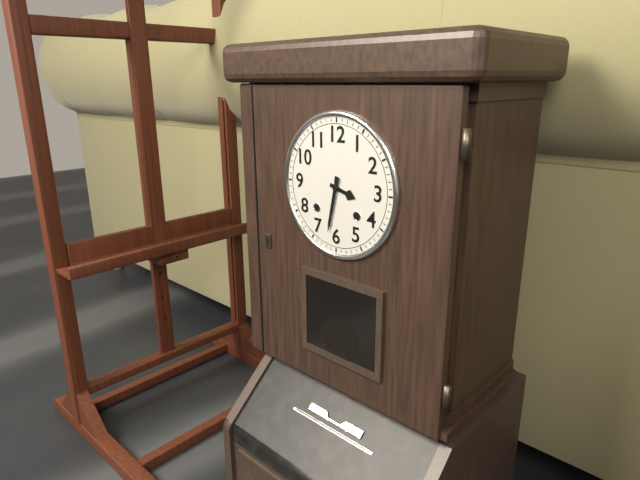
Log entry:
3h32
